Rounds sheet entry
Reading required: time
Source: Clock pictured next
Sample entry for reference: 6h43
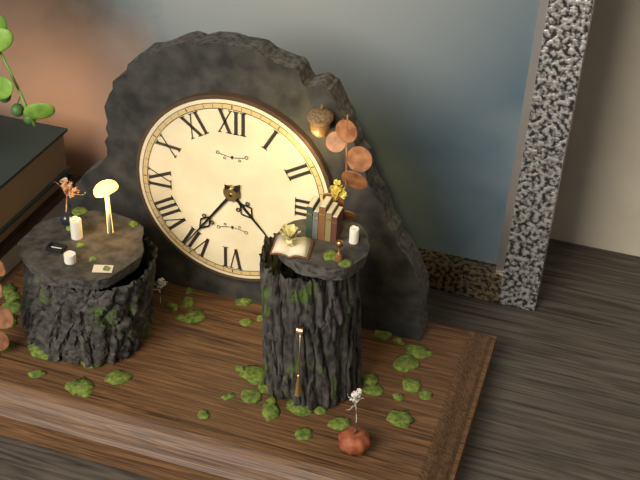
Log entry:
4h36
